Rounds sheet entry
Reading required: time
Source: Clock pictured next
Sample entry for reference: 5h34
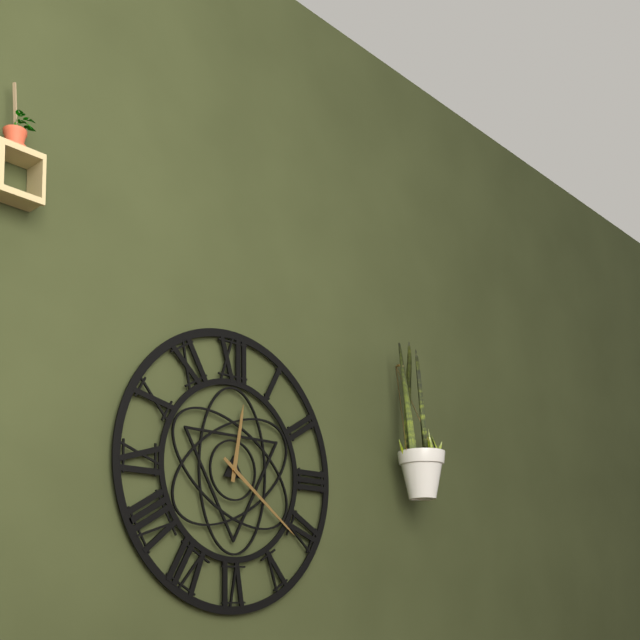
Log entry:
12h21
